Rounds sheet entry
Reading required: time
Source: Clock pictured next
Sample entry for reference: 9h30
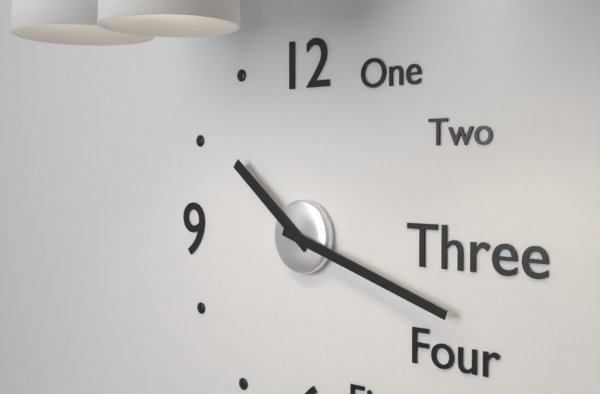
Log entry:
10h18
